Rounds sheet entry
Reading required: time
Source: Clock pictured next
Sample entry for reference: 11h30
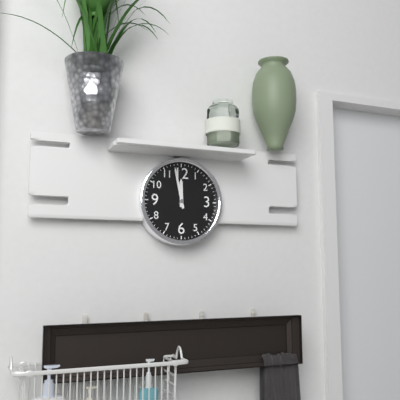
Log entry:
11h58
